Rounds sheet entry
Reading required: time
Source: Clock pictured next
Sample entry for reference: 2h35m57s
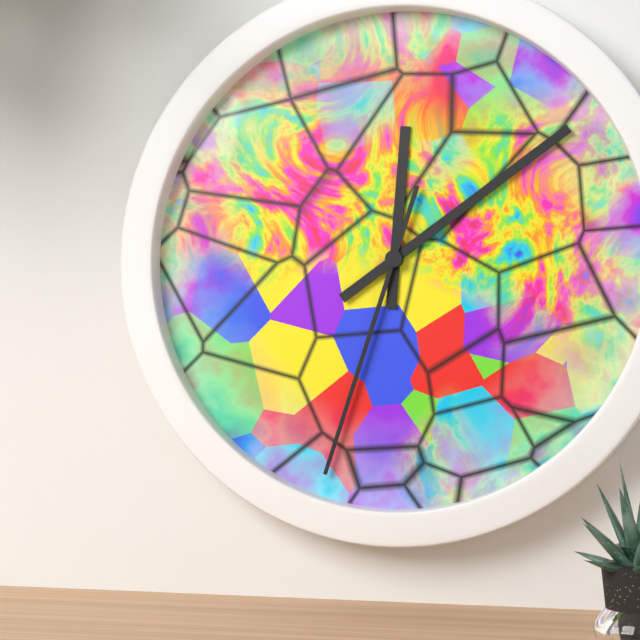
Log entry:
12h09m33s
